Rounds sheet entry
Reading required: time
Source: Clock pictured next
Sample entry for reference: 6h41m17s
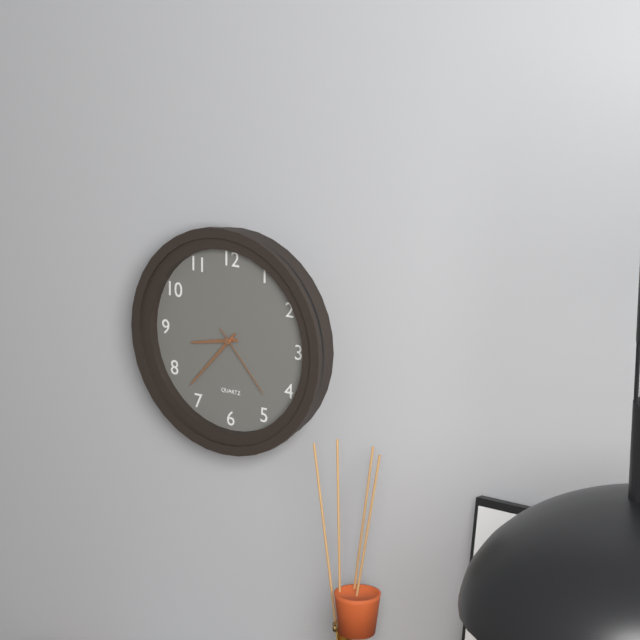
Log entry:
8h37m23s
